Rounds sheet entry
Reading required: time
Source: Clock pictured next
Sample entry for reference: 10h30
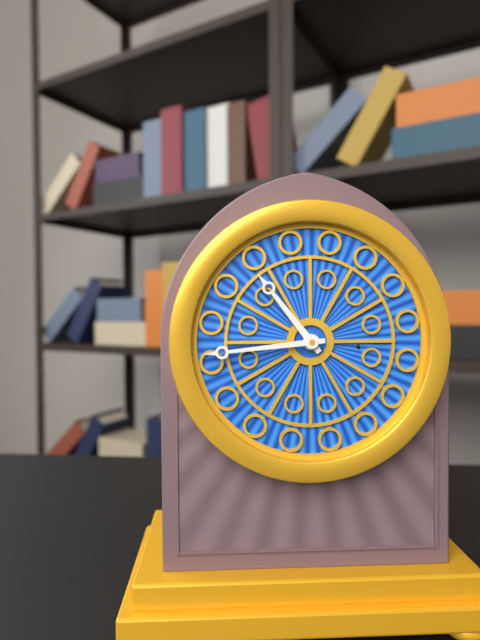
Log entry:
10h44
